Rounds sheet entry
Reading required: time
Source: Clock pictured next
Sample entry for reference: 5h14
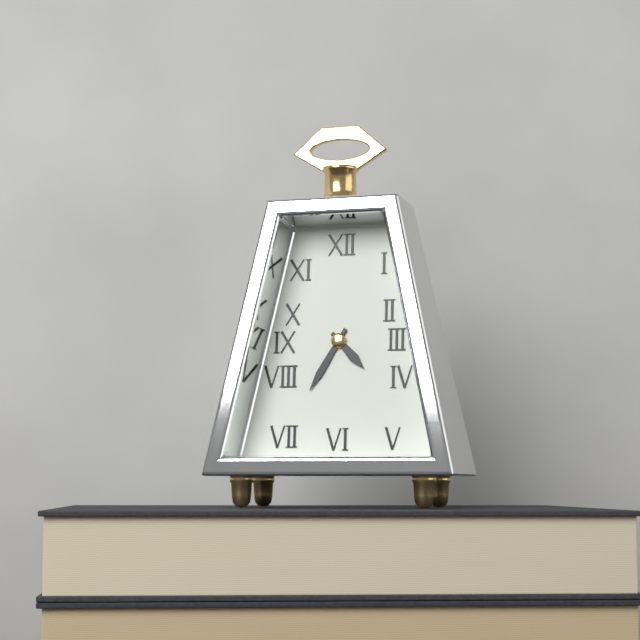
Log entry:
4h35
